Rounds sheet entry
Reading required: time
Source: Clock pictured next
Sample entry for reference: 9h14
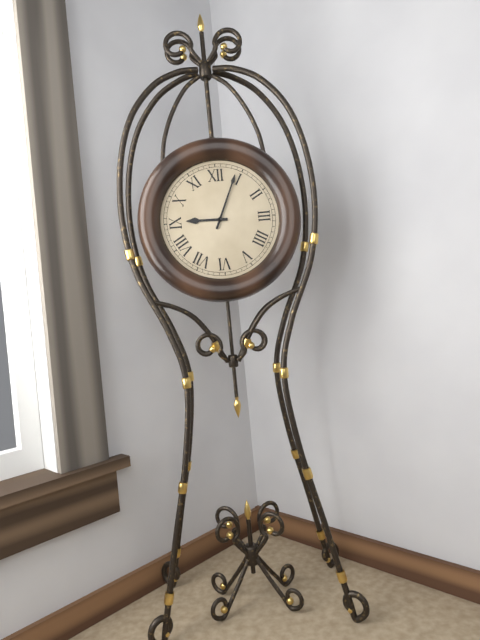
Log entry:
9h04
